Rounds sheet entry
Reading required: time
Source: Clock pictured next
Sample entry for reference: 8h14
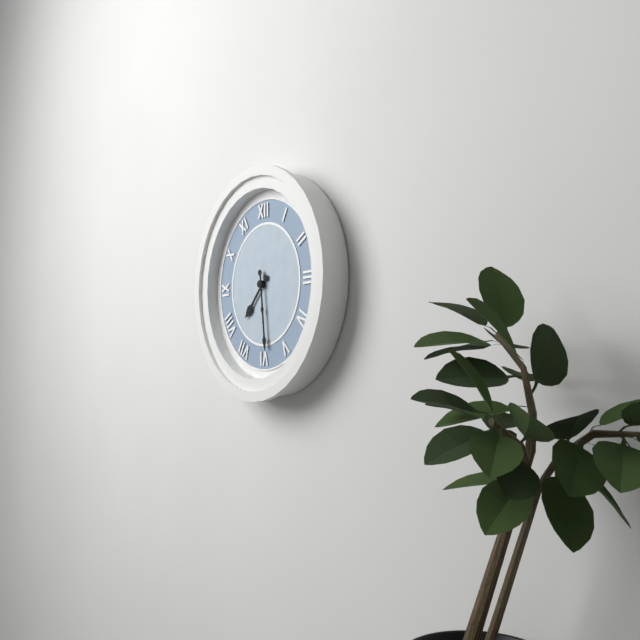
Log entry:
7h29
